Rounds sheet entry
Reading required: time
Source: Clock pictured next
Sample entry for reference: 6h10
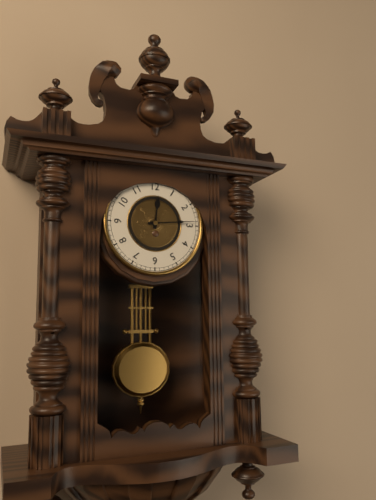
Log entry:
12h14
